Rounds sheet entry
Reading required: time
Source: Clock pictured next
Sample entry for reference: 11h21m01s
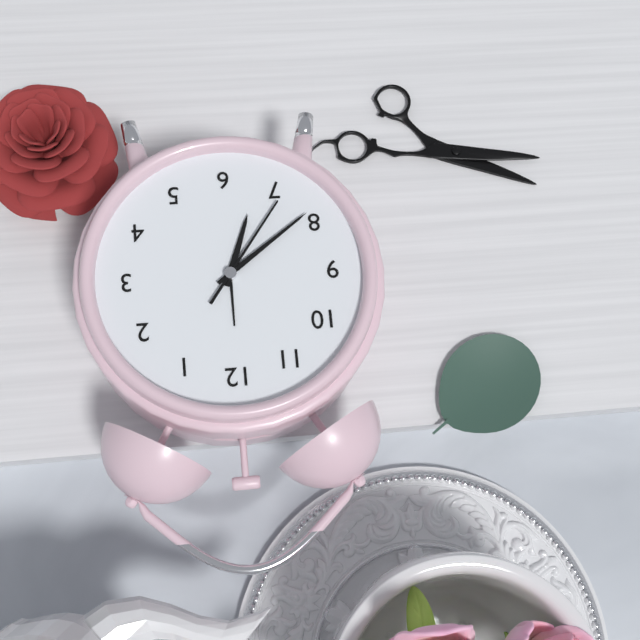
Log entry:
6h39m36s
